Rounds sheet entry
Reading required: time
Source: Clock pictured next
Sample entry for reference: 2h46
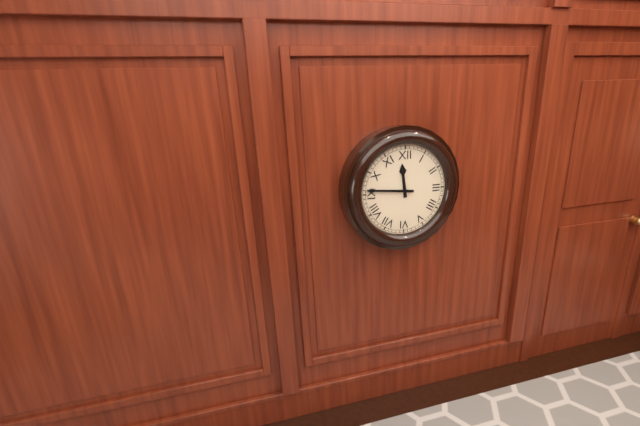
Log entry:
11h46
